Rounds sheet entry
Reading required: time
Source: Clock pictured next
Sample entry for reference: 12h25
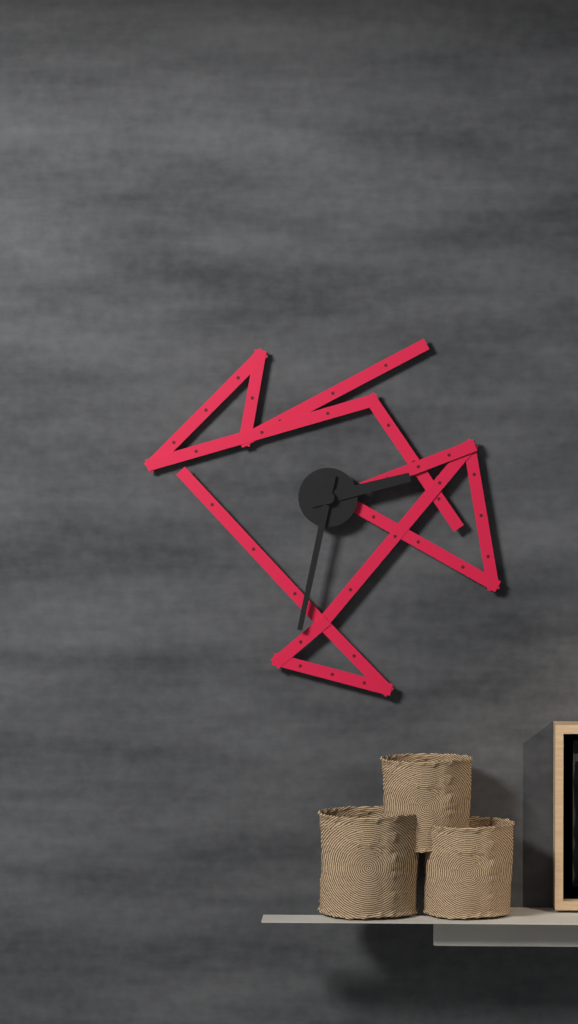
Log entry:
2h32
